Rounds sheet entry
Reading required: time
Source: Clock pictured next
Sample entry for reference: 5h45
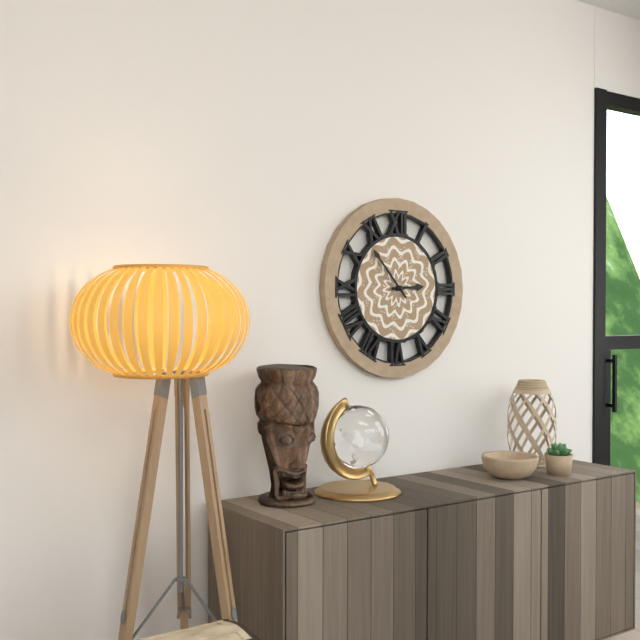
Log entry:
2h53
